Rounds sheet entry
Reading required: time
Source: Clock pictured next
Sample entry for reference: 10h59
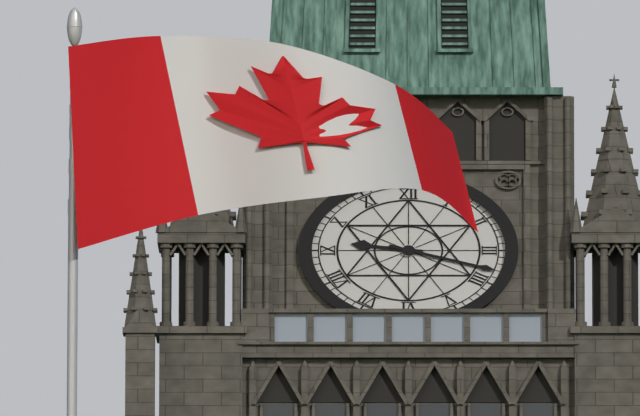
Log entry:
9h18
